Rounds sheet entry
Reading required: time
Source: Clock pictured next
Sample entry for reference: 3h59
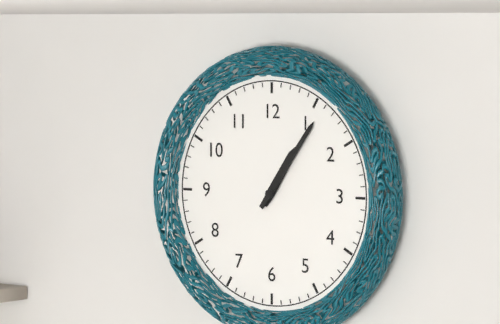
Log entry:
1h06
